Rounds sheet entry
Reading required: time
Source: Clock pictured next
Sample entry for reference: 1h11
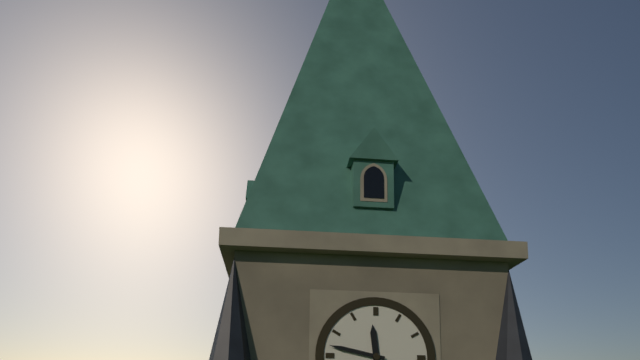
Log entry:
11h47
